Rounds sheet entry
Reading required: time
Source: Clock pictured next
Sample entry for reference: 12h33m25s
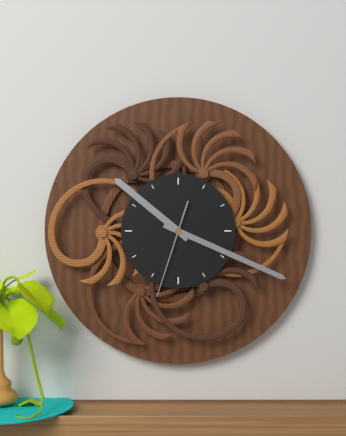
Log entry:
10h19m33s
